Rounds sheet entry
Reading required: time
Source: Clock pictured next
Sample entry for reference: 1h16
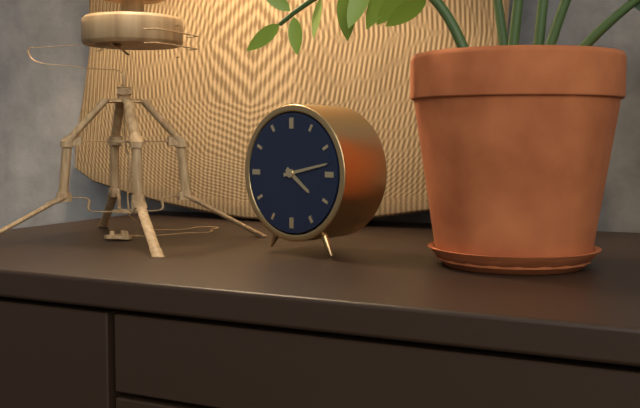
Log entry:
4h13
